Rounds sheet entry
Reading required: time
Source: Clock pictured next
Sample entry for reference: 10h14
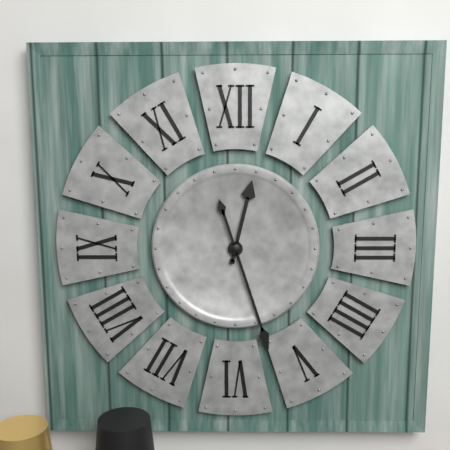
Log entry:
12h27
